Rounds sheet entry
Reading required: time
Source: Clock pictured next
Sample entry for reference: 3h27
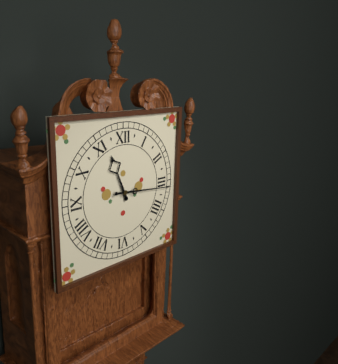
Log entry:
11h16
